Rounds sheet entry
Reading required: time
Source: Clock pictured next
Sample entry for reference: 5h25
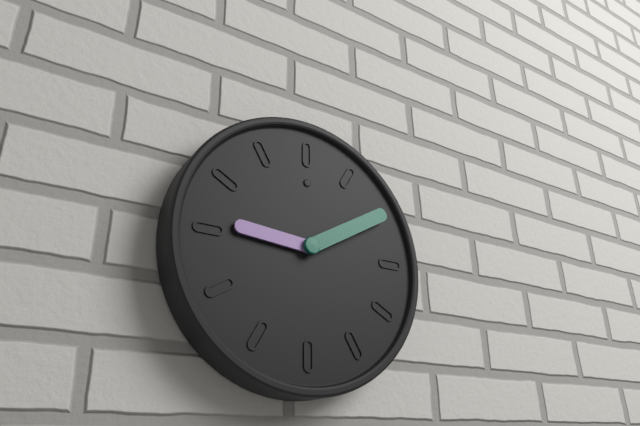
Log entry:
9h10
